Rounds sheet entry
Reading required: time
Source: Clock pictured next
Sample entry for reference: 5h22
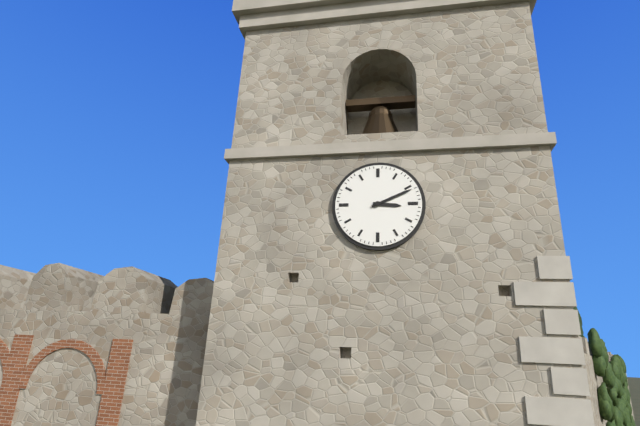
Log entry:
3h11
